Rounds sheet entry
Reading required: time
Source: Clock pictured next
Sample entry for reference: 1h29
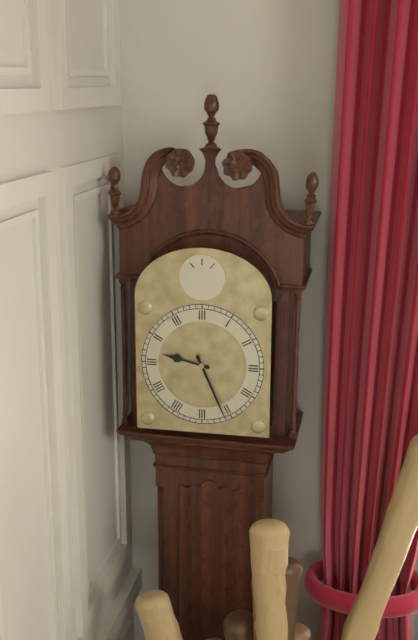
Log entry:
9h26
